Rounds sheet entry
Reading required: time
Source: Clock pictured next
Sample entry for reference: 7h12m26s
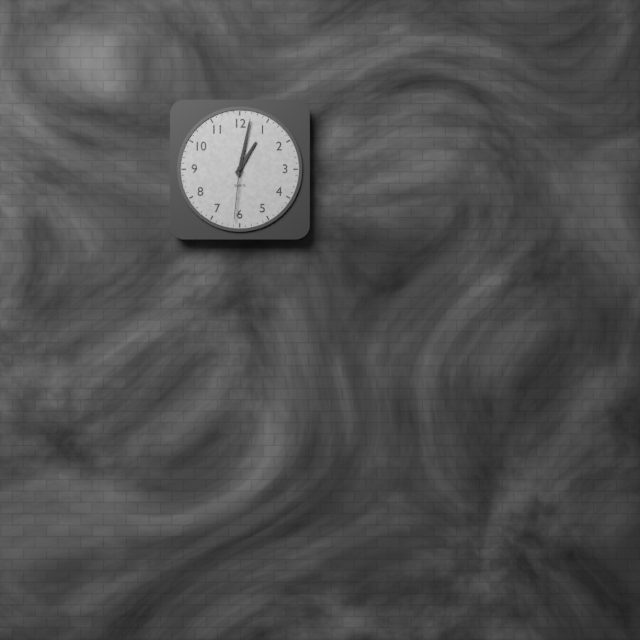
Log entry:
1h02m31s
